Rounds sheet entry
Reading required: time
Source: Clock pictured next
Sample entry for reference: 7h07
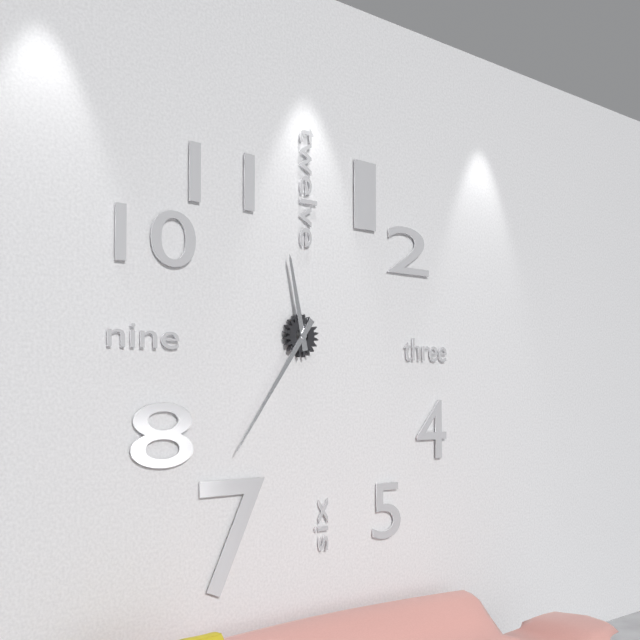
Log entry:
11h36
